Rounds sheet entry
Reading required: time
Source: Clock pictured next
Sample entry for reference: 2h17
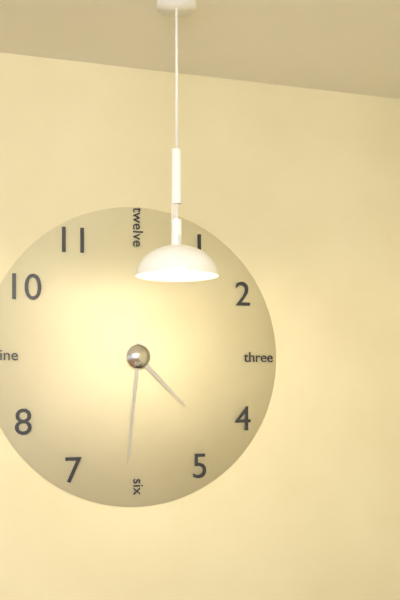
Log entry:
4h31
